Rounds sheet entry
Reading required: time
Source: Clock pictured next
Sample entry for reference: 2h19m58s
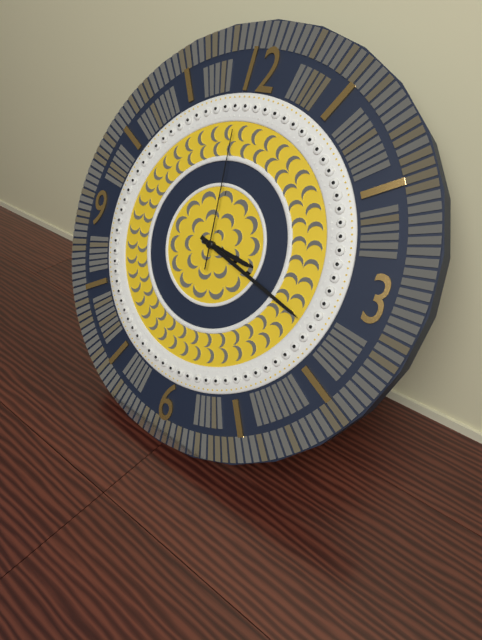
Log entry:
3h18m59s
